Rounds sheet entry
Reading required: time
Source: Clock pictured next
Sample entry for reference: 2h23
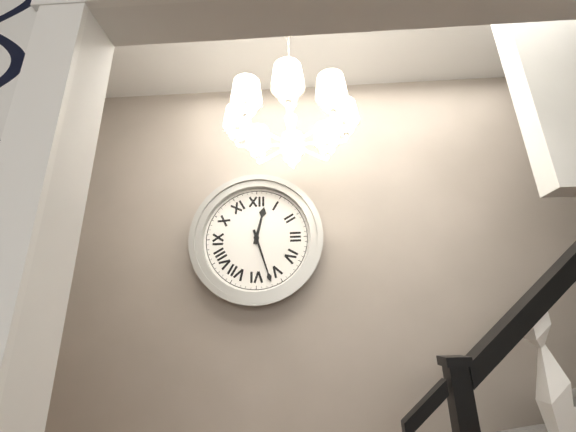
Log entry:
12h27
